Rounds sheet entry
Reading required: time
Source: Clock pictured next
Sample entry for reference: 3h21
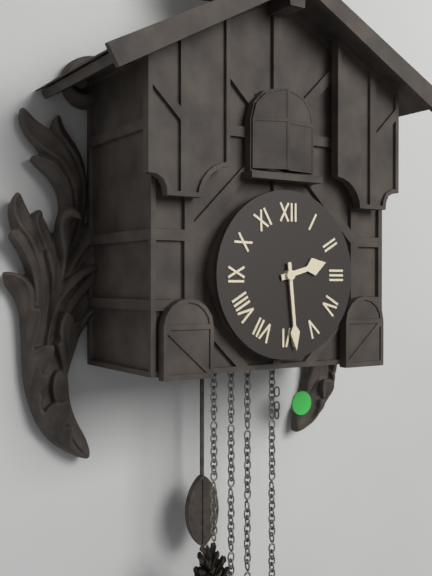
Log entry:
2h29
